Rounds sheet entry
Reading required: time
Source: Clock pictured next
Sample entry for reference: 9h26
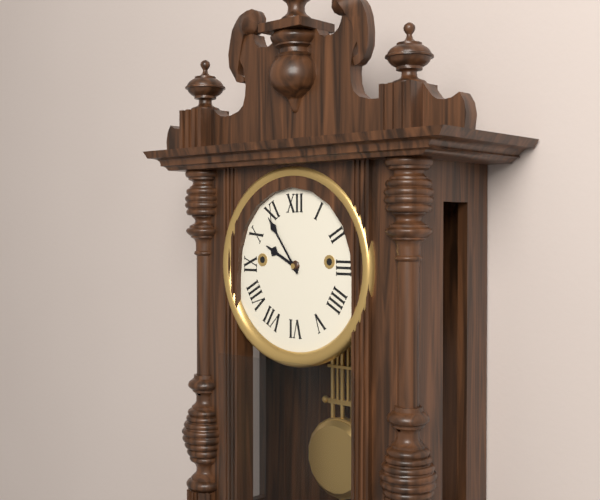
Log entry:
9h54
